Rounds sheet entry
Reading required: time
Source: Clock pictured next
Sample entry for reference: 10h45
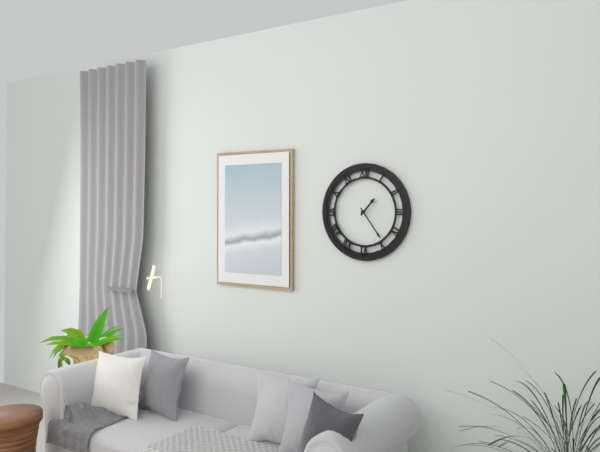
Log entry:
1h24
